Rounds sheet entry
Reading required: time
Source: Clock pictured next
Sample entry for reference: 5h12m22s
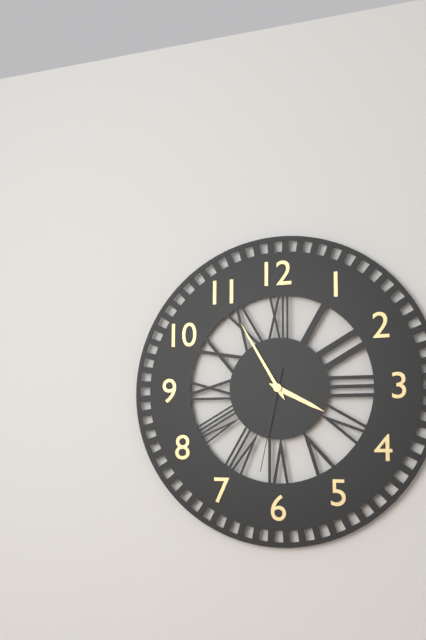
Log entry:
3h55m32s
